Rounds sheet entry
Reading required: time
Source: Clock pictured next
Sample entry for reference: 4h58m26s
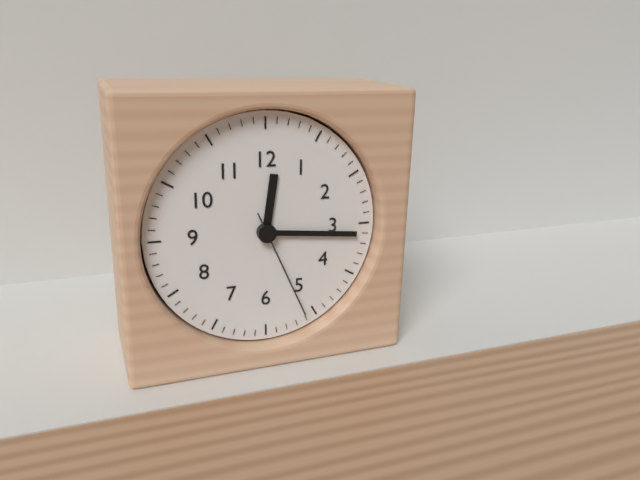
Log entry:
12h16m26s
